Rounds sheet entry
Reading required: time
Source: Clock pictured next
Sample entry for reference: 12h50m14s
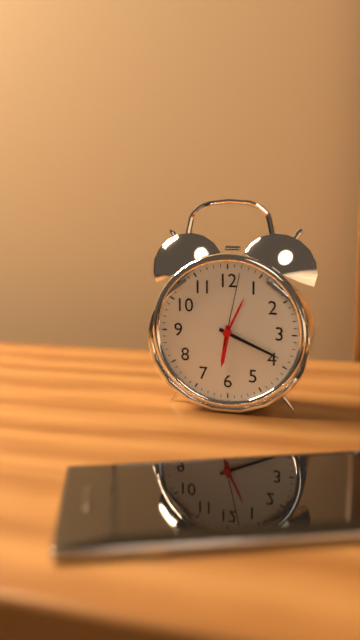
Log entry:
6h19m02s
